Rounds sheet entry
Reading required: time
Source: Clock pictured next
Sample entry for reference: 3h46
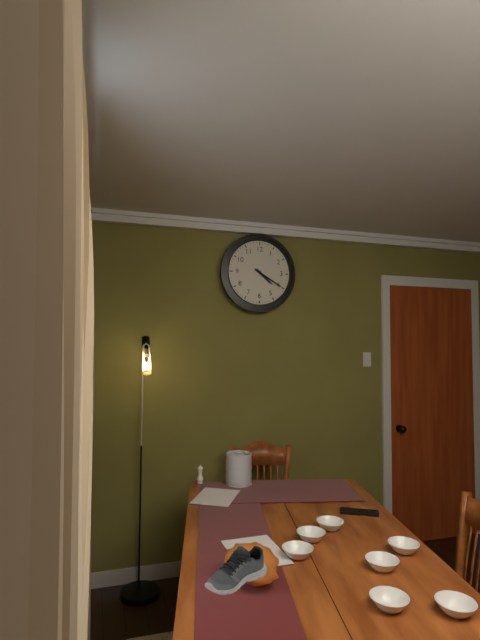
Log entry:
4h20
